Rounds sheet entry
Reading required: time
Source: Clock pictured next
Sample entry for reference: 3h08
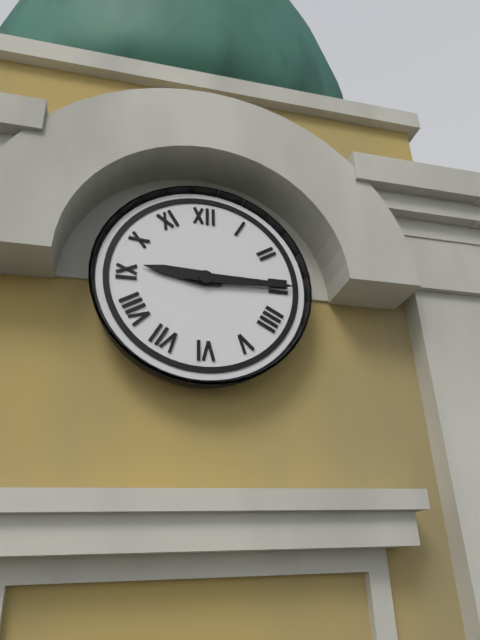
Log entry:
9h15
